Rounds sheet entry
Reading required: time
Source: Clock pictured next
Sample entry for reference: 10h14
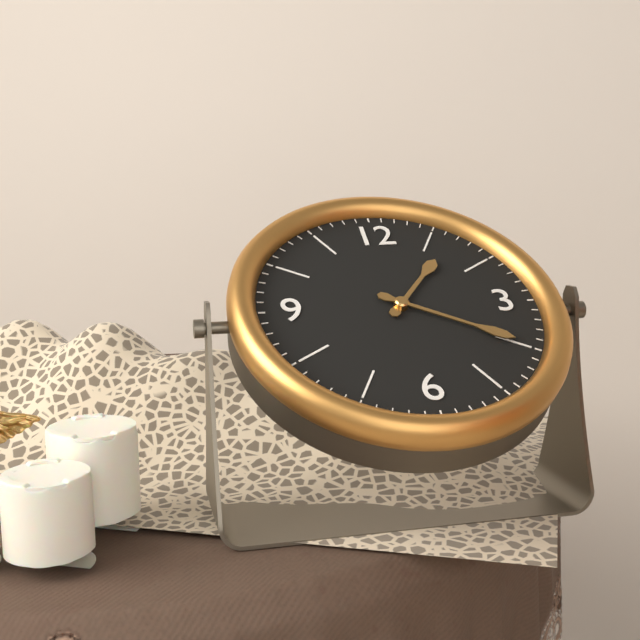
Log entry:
1h20
